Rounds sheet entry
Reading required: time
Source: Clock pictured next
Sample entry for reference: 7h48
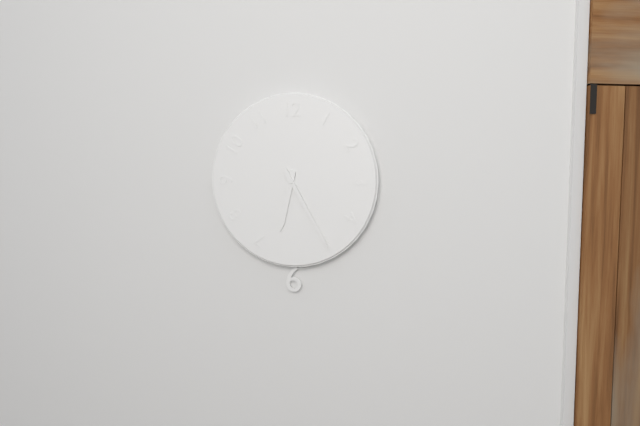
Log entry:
6h25
